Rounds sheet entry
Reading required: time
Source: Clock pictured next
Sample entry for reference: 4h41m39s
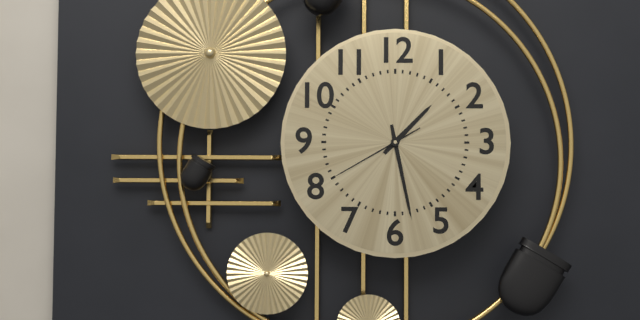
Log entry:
1h28m40s
